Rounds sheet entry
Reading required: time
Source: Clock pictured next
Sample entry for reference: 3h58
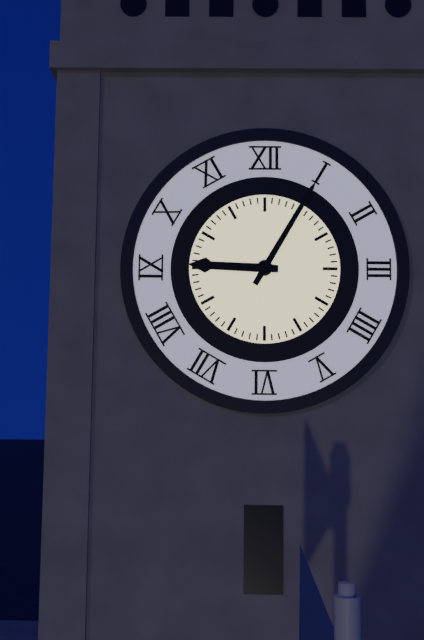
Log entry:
9h05
